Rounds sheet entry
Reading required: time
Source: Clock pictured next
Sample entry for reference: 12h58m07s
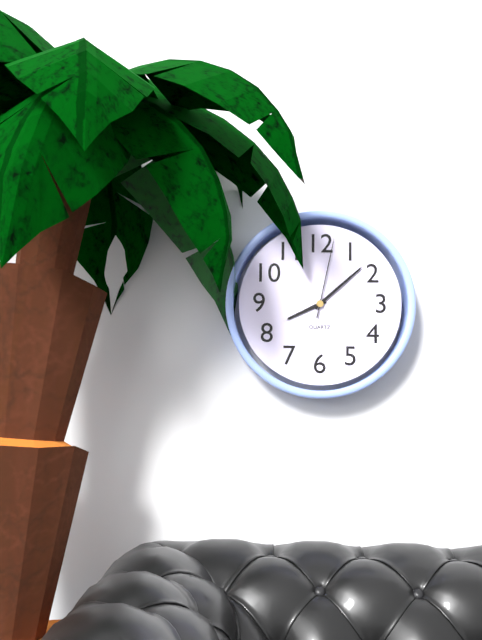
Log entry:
8h08m02s
